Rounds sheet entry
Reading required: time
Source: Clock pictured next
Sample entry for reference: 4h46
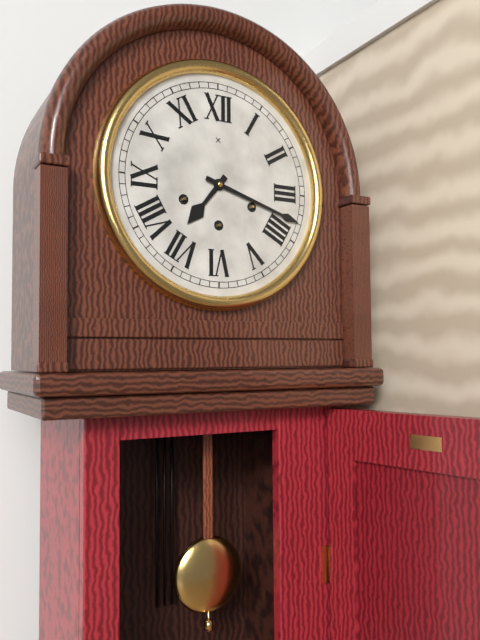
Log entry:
7h18
